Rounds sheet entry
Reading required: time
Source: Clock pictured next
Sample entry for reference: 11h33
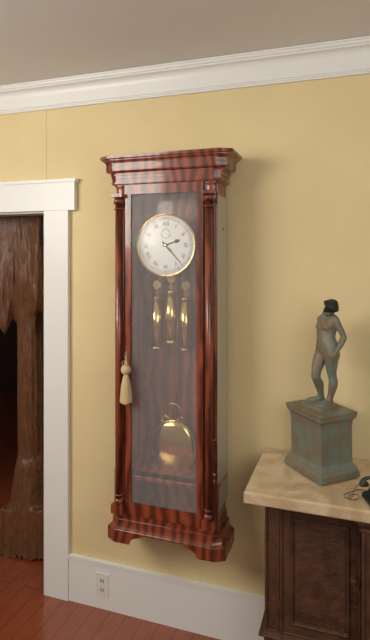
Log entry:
2h23
